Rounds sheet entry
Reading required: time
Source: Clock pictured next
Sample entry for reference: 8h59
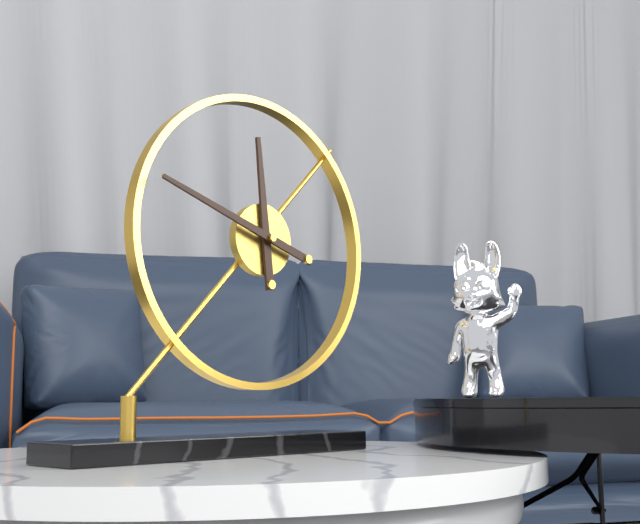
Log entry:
11h48
